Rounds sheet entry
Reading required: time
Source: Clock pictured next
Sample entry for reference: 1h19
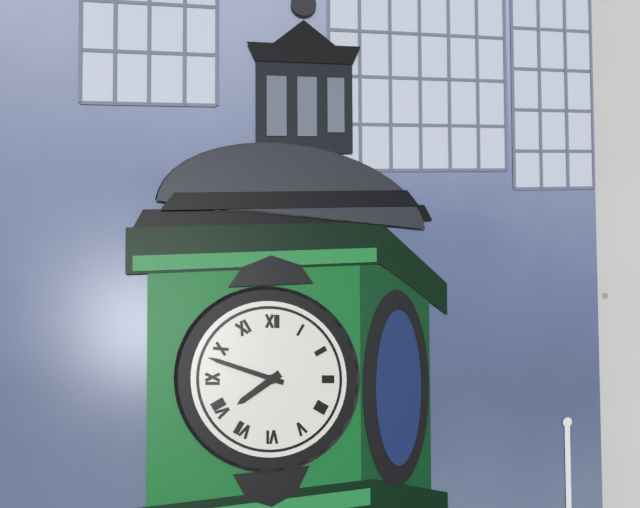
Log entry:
7h48
